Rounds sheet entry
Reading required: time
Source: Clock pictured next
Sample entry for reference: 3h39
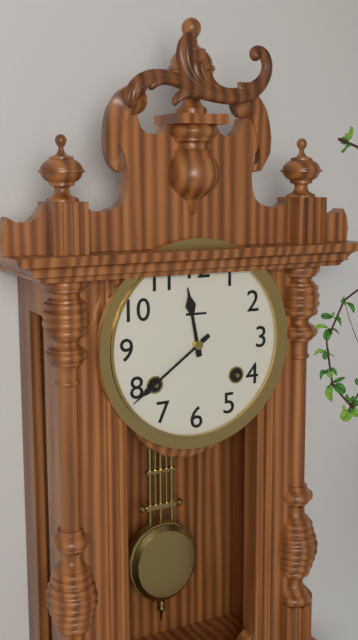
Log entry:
11h39
